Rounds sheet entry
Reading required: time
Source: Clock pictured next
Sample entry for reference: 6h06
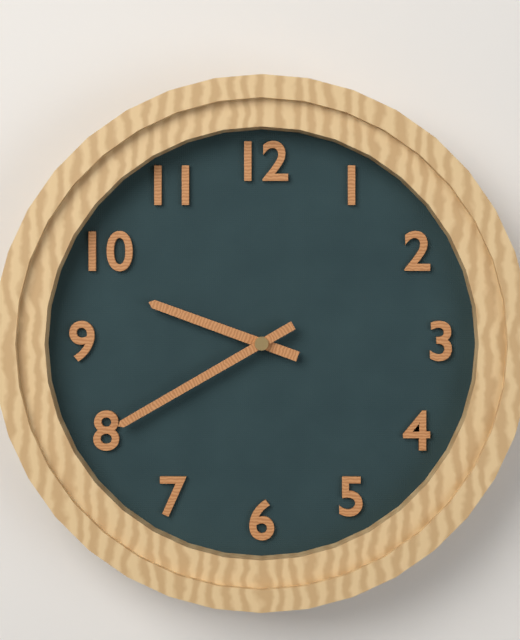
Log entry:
9h40
